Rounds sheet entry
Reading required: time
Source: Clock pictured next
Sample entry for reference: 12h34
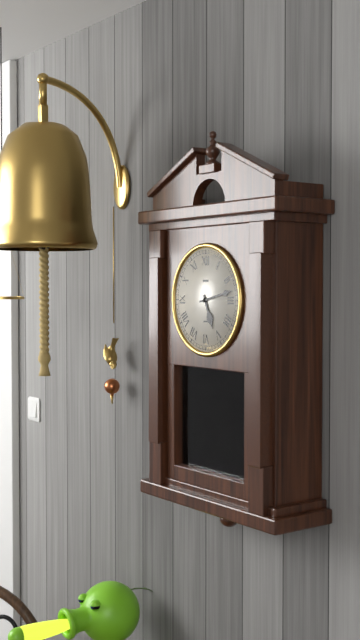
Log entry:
5h13
